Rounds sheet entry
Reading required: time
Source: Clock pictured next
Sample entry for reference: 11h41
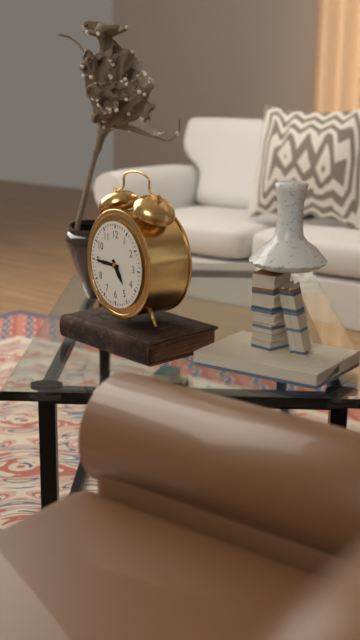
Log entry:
4h45
